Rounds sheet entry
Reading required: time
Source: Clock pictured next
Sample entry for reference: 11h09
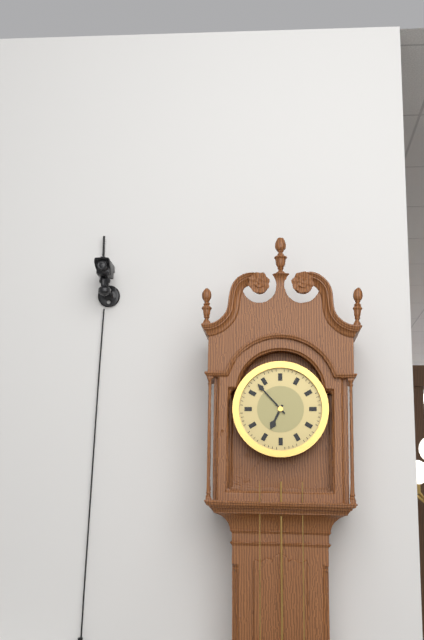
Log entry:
6h53
